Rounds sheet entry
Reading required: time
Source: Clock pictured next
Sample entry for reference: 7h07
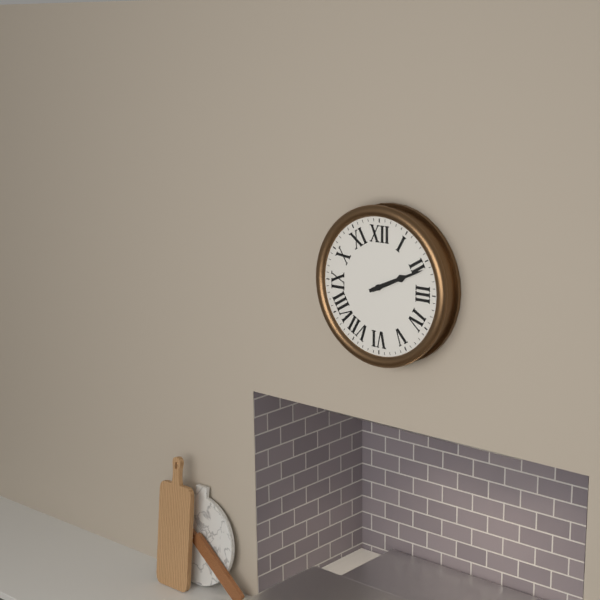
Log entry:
2h11
